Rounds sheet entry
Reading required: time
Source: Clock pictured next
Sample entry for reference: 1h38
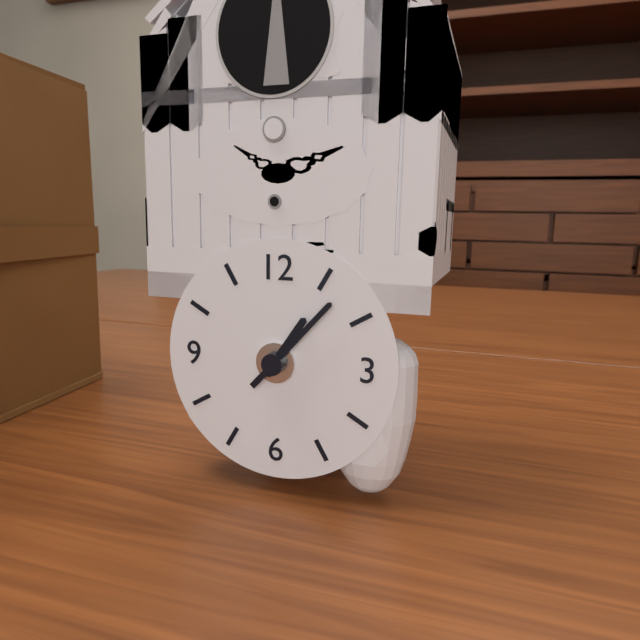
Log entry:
1h07
